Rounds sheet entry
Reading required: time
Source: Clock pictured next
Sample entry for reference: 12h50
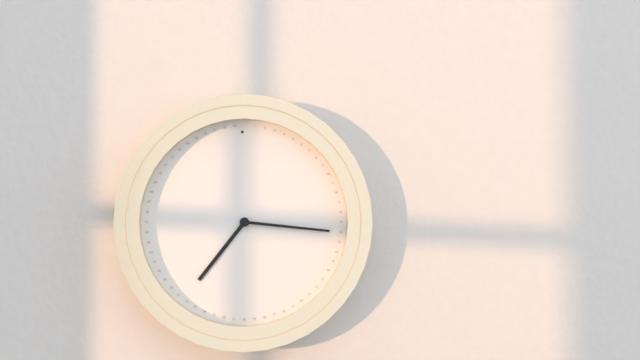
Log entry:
7h16
